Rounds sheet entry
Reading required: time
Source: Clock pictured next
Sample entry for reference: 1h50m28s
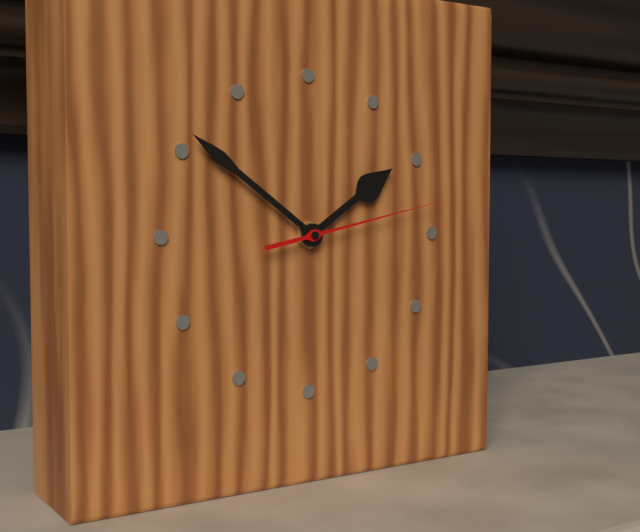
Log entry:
1h51m13s
